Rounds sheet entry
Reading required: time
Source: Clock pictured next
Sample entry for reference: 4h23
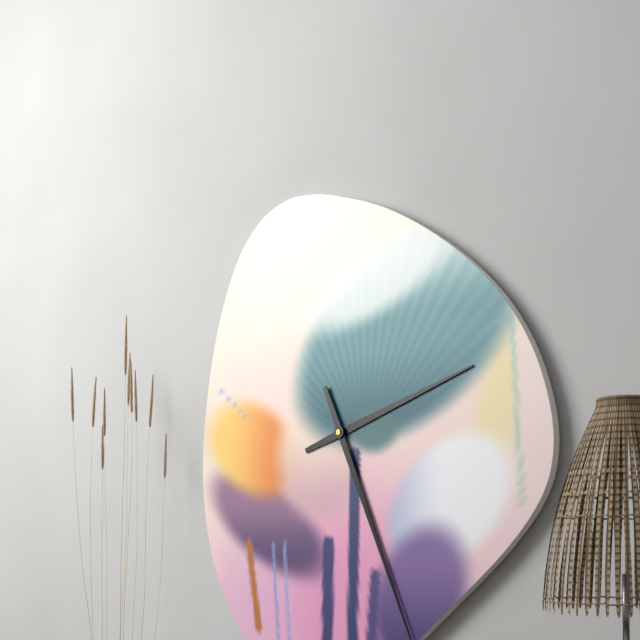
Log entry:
2h26
